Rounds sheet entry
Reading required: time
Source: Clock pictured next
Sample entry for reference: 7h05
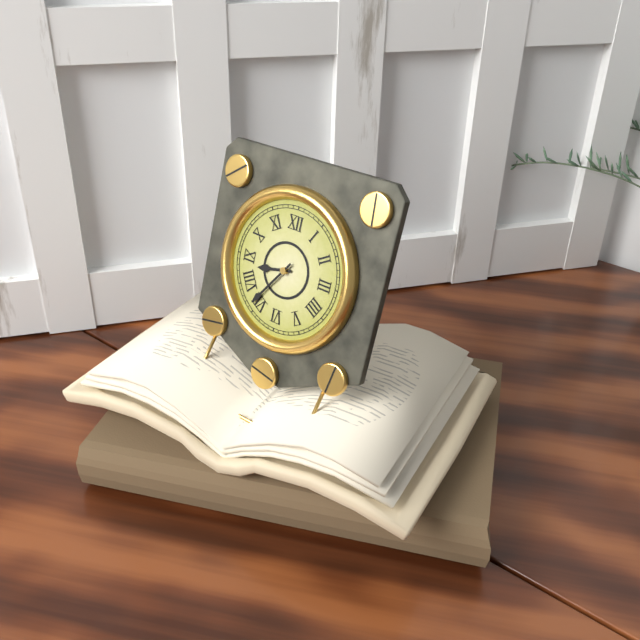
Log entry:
8h36
